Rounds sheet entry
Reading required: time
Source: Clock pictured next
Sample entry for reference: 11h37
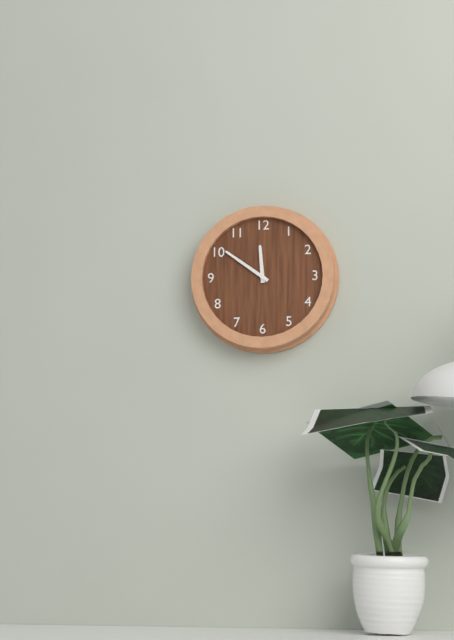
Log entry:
11h51
